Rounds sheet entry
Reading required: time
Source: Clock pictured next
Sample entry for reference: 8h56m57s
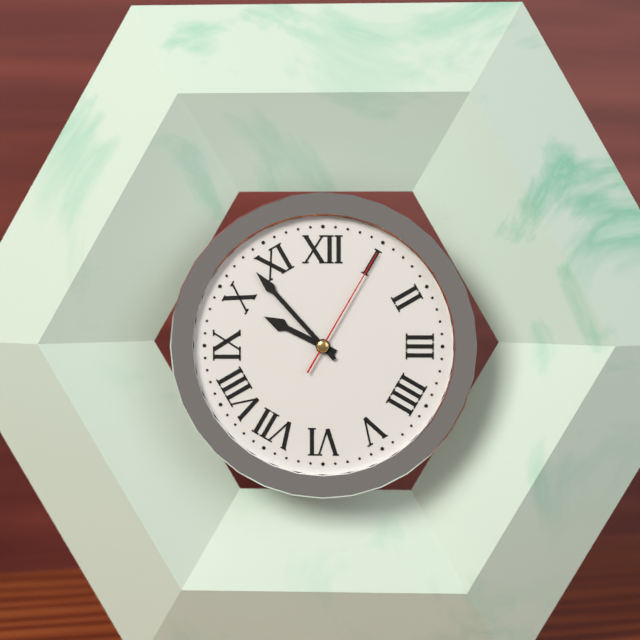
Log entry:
9h53m05s
